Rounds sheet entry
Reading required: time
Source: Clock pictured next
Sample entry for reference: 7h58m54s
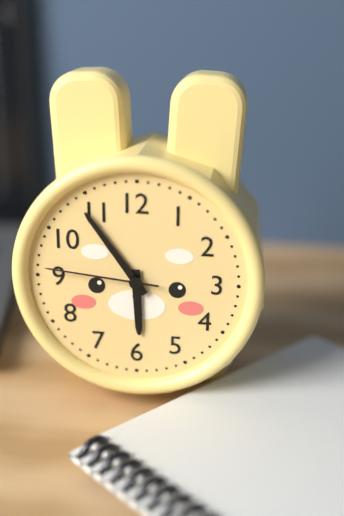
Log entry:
5h54m46s
